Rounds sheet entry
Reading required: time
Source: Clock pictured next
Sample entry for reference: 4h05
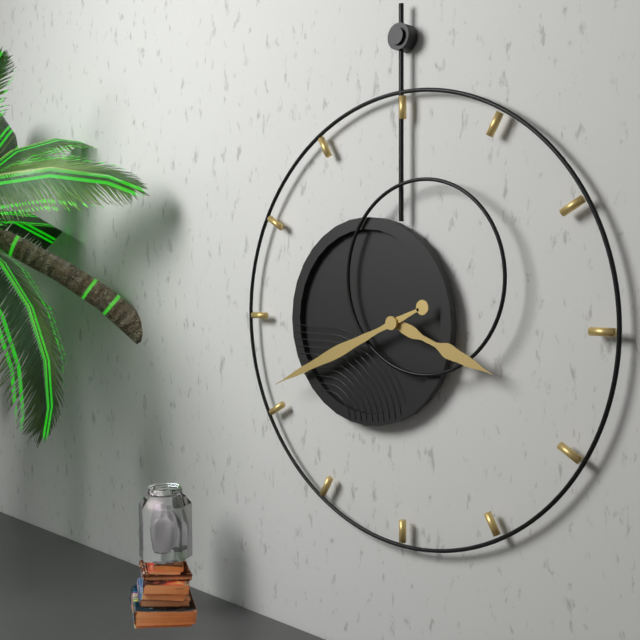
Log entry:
3h41
